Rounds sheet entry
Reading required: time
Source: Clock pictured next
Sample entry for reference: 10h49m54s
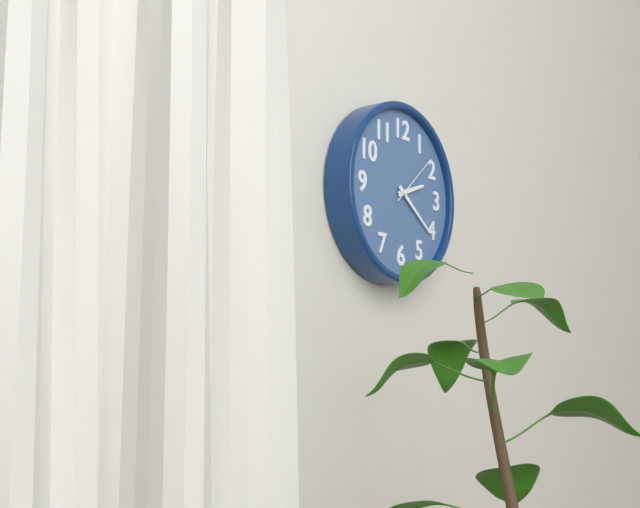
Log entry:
2h21m08s
